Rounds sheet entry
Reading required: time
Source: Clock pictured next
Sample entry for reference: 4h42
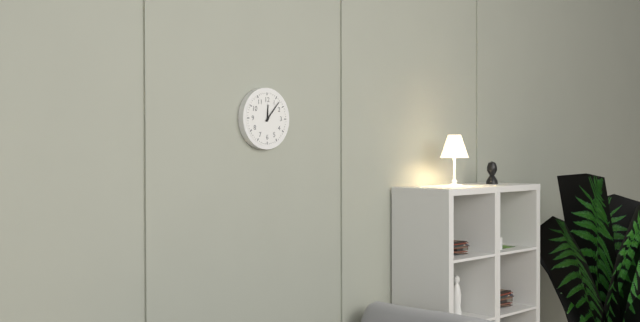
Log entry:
12h07
